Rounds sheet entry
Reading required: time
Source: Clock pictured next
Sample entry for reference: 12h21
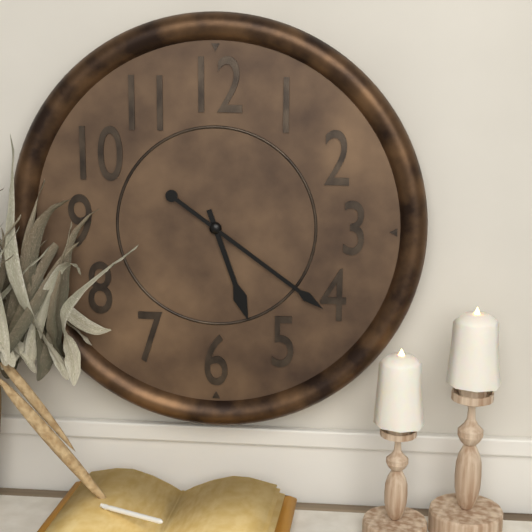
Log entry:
5h21
